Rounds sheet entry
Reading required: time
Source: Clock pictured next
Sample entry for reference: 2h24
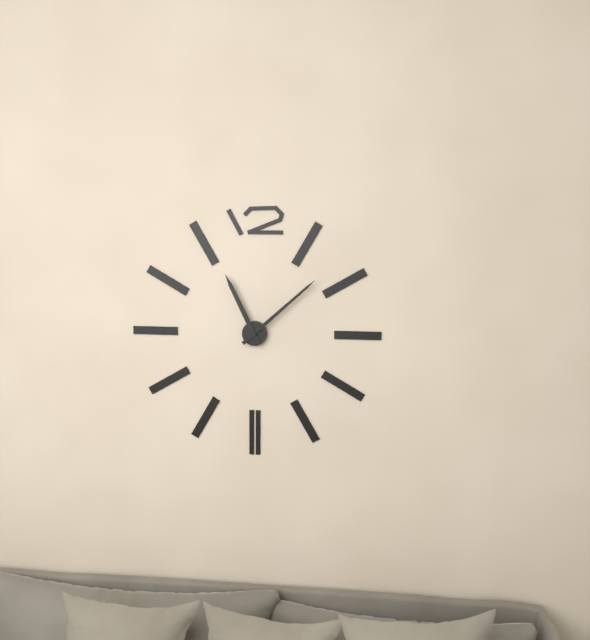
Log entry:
11h08
